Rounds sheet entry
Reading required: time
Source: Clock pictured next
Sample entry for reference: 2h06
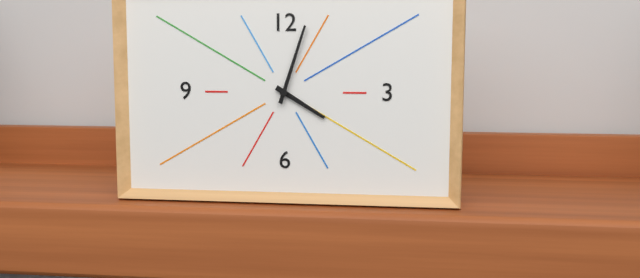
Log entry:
4h03
